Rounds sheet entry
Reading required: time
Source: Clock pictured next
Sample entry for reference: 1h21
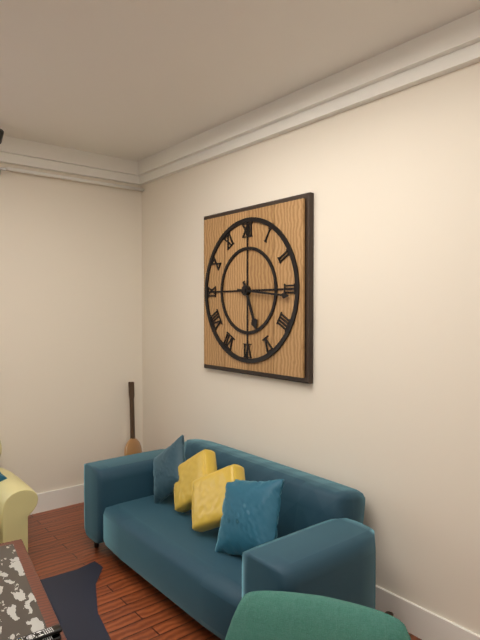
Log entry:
5h16
